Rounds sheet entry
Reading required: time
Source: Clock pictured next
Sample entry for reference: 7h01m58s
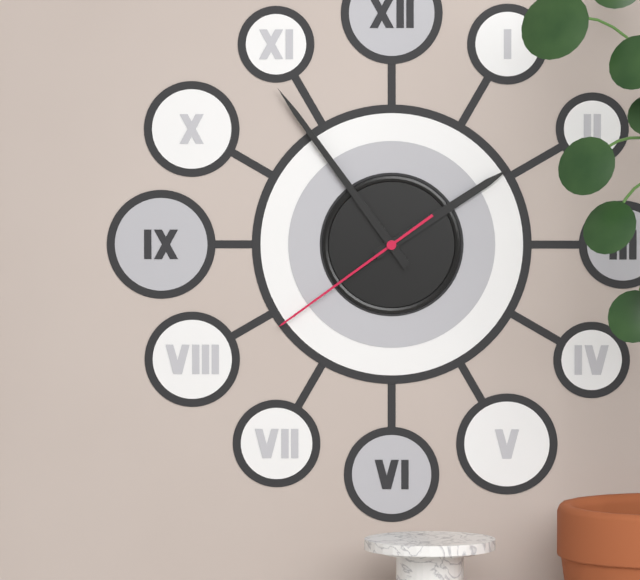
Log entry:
1h54m39s
